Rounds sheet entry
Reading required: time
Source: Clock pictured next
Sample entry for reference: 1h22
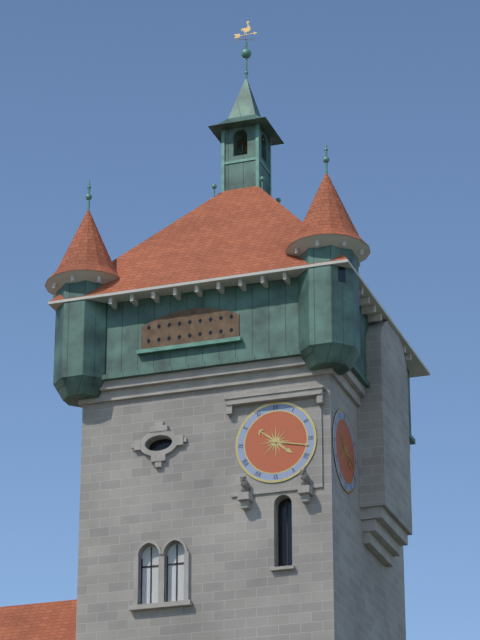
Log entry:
4h17
